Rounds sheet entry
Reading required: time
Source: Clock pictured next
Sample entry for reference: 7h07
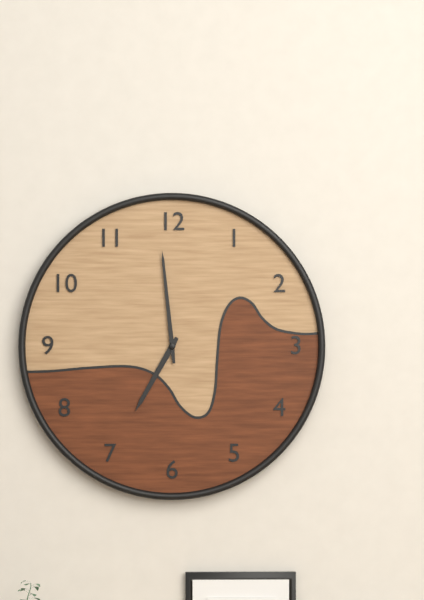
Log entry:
6h59
